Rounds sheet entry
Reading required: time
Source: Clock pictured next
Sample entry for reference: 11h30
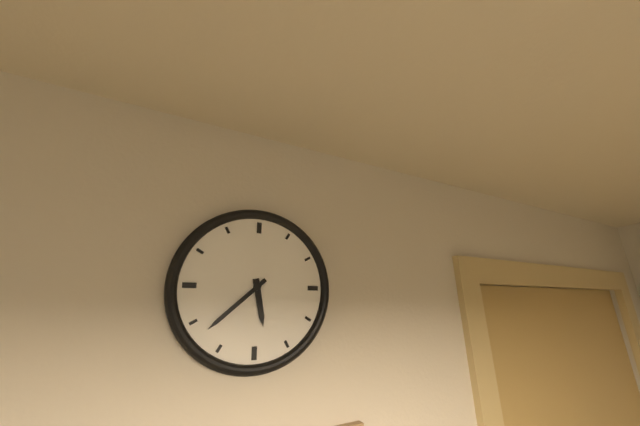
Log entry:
5h38
